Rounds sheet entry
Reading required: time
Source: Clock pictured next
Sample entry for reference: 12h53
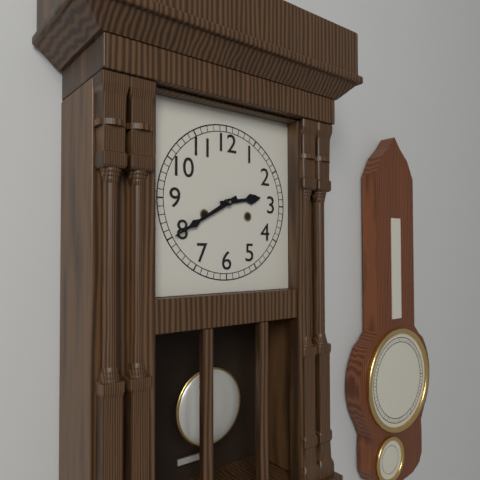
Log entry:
2h40
